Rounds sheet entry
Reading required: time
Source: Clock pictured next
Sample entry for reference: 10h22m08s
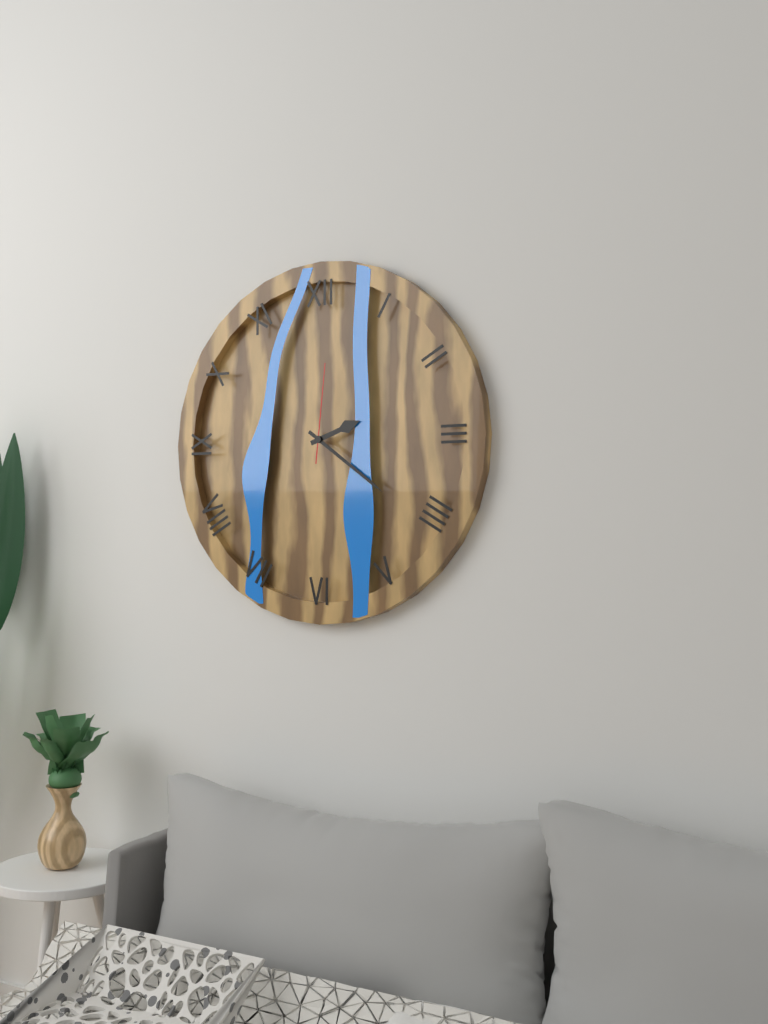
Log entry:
2h21m01s
